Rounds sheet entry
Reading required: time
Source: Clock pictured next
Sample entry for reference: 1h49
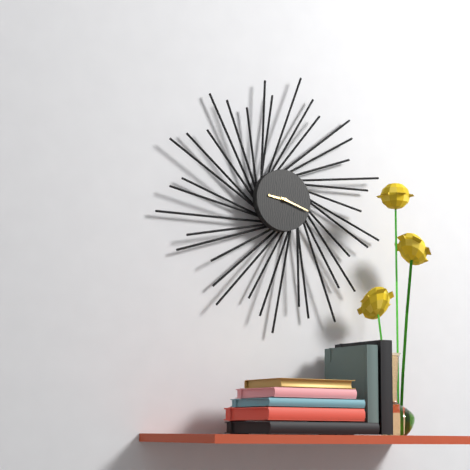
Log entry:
9h18
